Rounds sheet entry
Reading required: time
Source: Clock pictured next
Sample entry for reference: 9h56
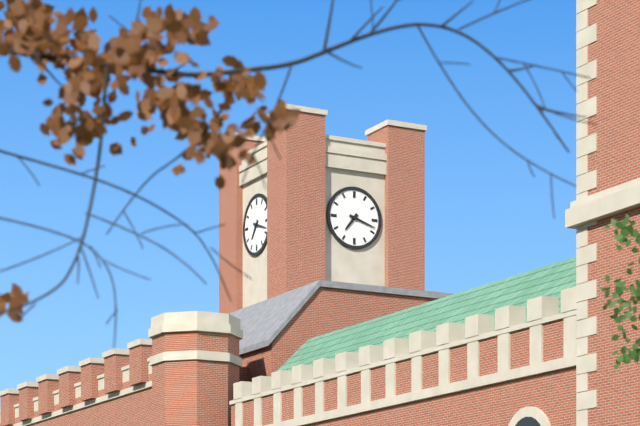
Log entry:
7h18
